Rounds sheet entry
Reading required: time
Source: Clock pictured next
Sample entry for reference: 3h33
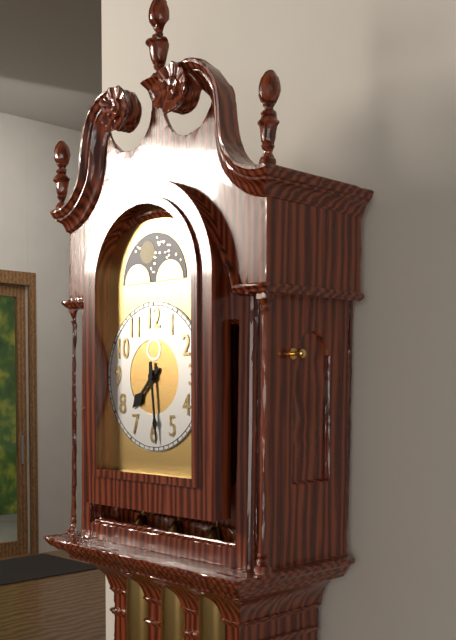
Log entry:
7h29
